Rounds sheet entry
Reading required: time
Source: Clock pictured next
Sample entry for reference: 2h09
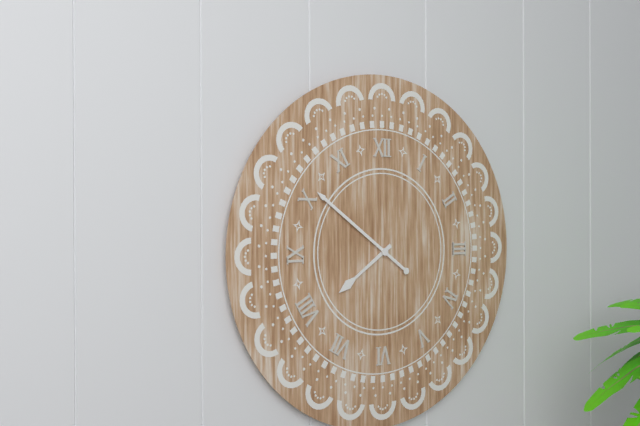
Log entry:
7h51
